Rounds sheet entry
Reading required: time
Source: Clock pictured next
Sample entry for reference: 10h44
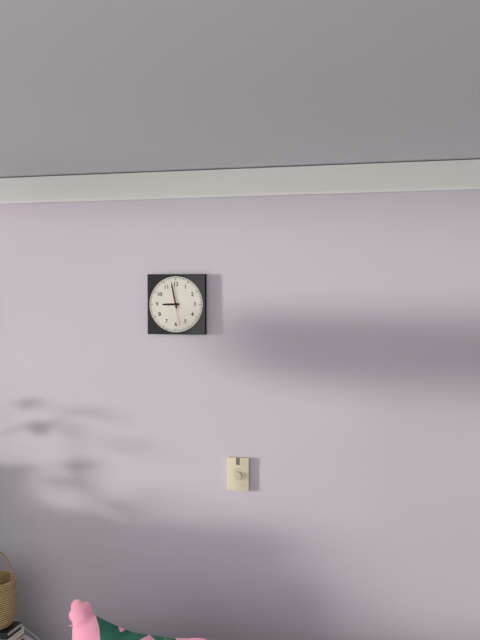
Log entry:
8h58
